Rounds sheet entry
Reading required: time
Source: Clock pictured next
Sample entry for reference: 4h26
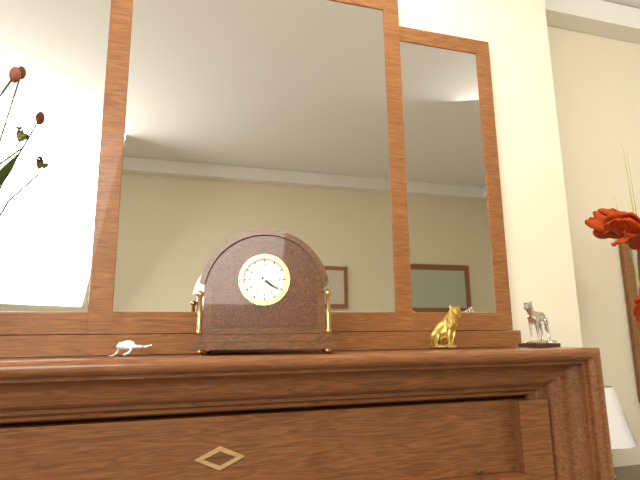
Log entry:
4h21
